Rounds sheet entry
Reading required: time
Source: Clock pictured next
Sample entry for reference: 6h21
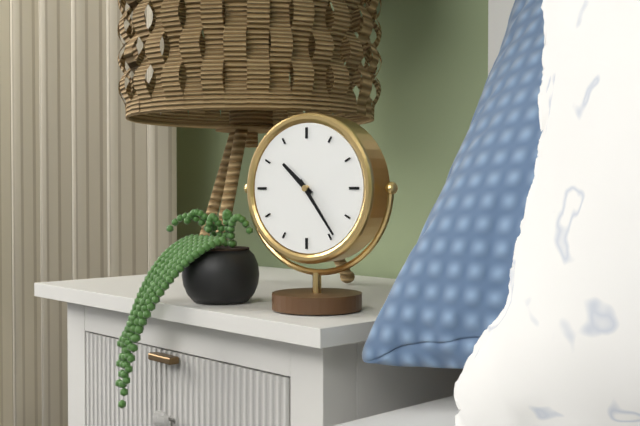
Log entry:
10h24
